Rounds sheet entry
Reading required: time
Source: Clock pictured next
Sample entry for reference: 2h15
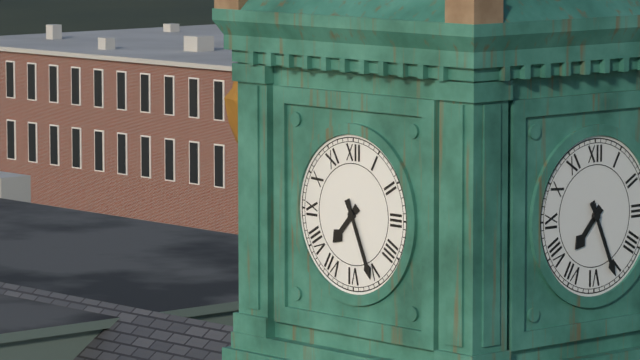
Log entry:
7h26
